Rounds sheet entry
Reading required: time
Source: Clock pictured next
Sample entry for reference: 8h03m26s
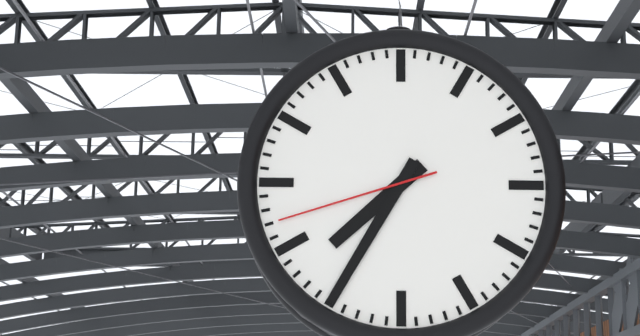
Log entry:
7h35m42s
